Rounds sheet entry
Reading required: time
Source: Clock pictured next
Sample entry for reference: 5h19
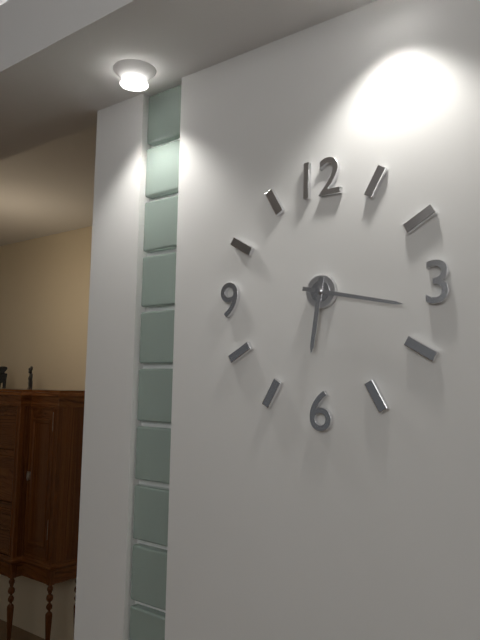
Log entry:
6h17
